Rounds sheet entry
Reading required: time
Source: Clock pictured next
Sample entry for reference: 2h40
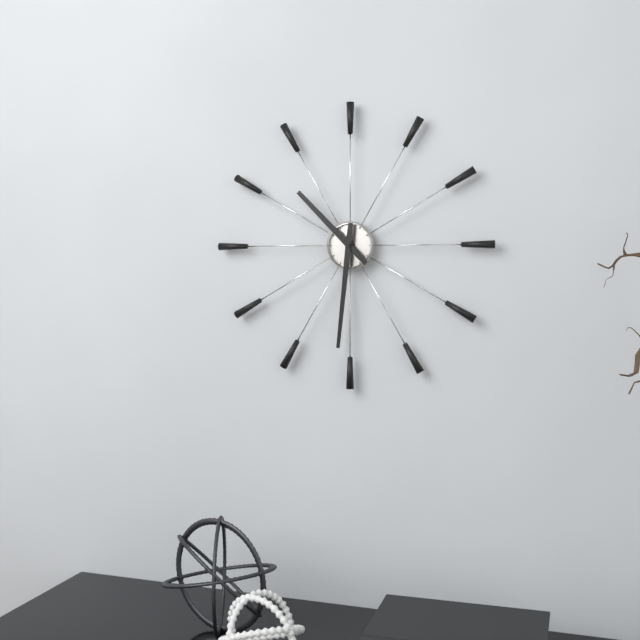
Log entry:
10h31
